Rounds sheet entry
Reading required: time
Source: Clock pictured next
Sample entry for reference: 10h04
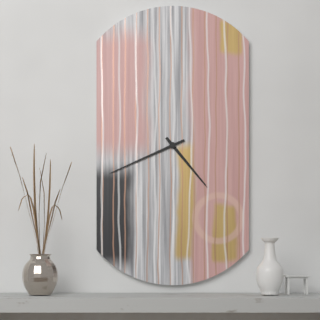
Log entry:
4h41
